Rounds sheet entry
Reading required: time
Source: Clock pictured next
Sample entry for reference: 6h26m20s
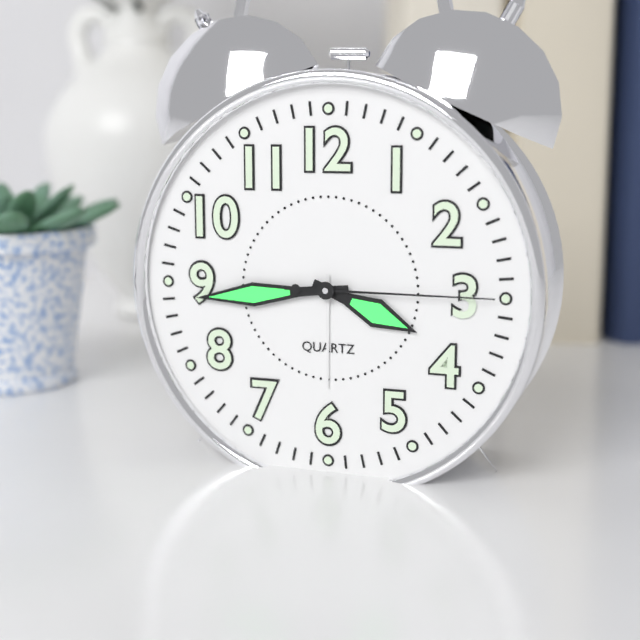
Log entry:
3h44m15s
